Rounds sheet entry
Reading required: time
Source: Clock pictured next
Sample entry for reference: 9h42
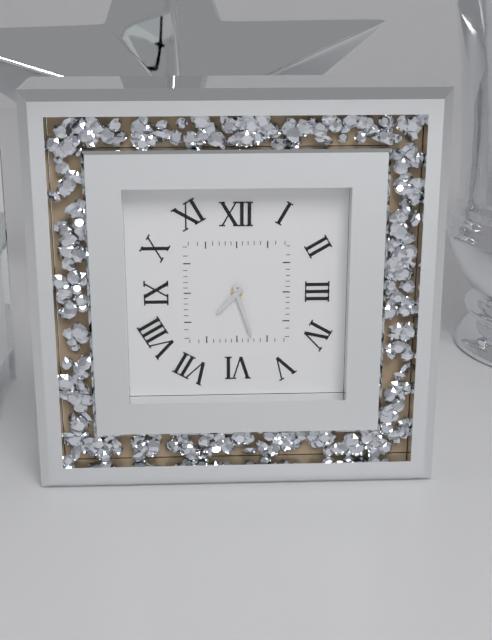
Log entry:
7h27
